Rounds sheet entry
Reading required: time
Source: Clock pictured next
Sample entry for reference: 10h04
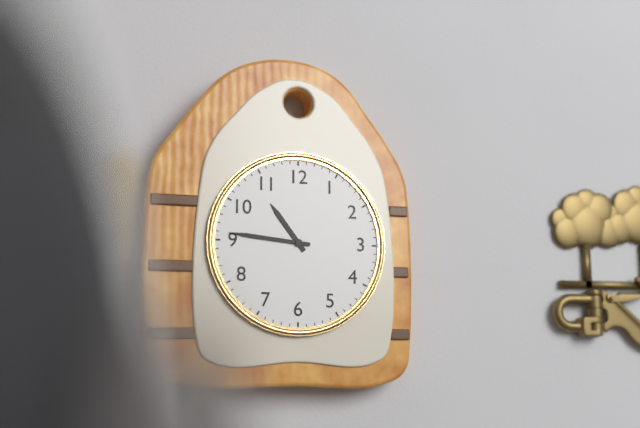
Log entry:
10h46
